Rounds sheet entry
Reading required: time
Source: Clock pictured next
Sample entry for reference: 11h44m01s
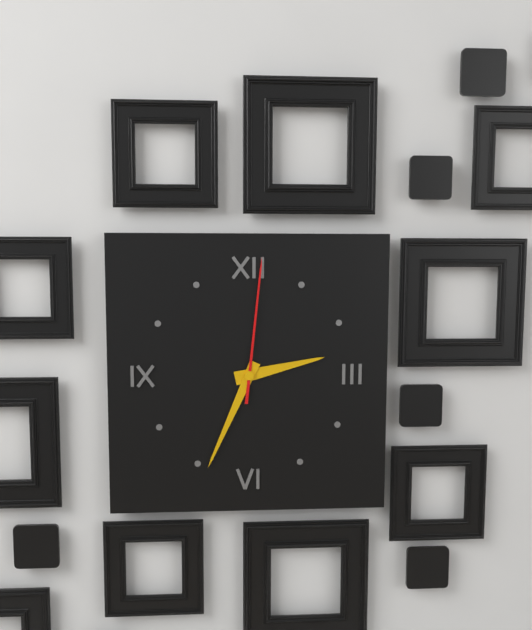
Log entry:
2h34m01s
